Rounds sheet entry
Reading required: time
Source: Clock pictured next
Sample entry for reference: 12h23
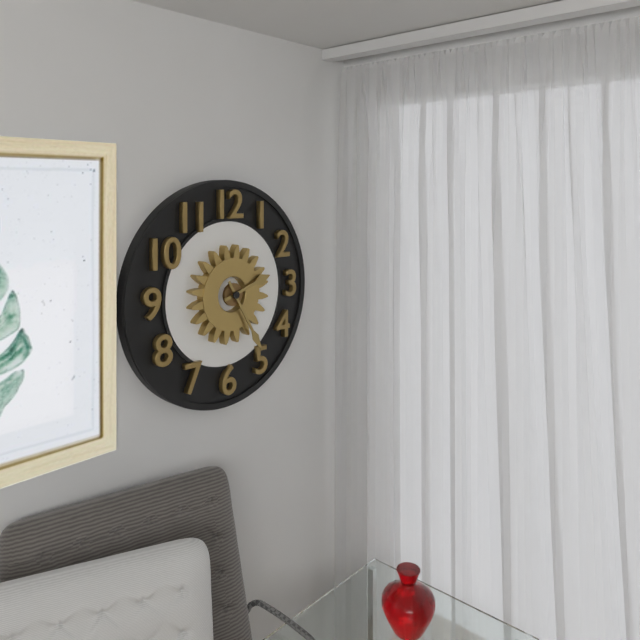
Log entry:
2h25
